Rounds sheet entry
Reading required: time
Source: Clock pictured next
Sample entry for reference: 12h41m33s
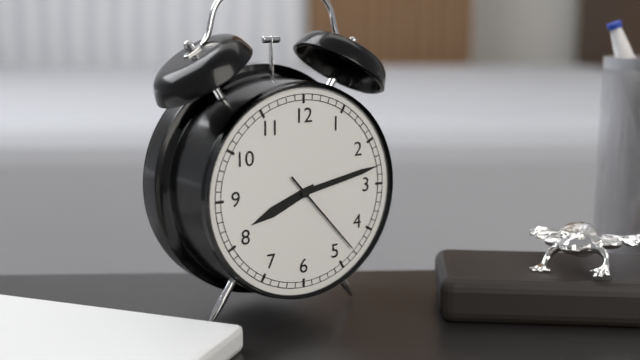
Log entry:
8h13m23s
